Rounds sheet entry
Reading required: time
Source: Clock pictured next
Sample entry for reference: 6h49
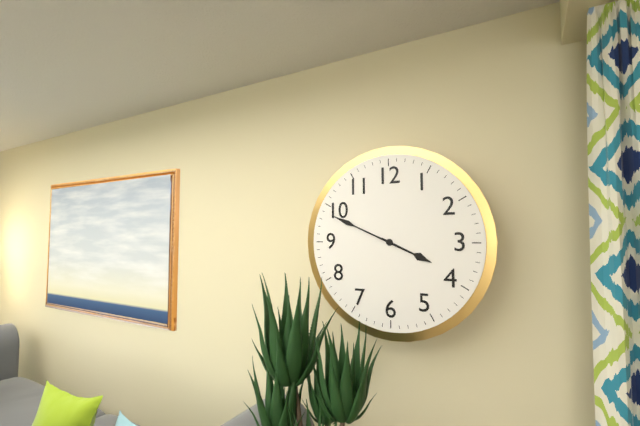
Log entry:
3h49
